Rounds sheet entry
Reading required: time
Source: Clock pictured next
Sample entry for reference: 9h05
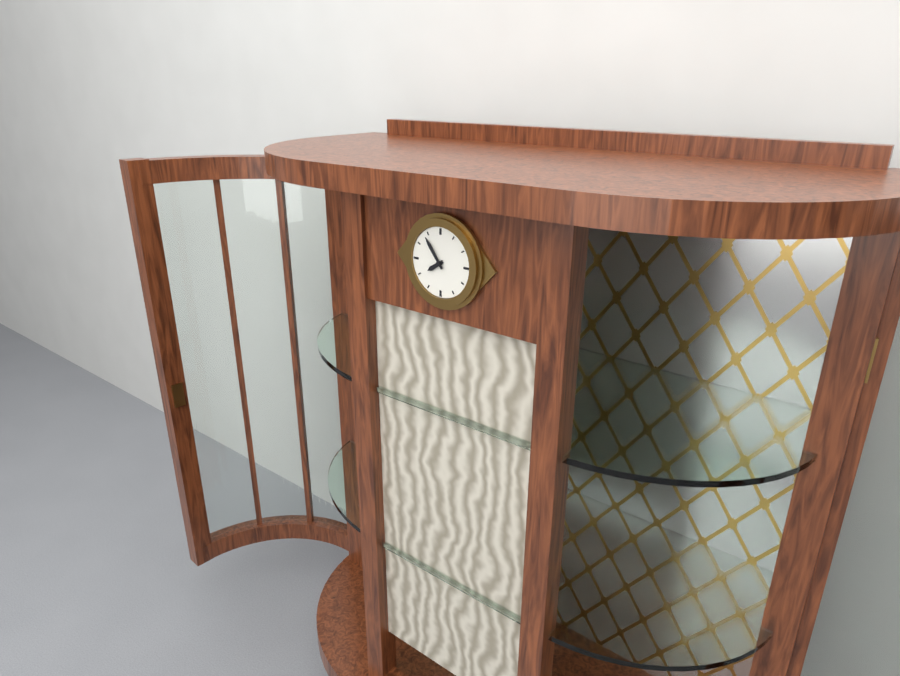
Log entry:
7h54
